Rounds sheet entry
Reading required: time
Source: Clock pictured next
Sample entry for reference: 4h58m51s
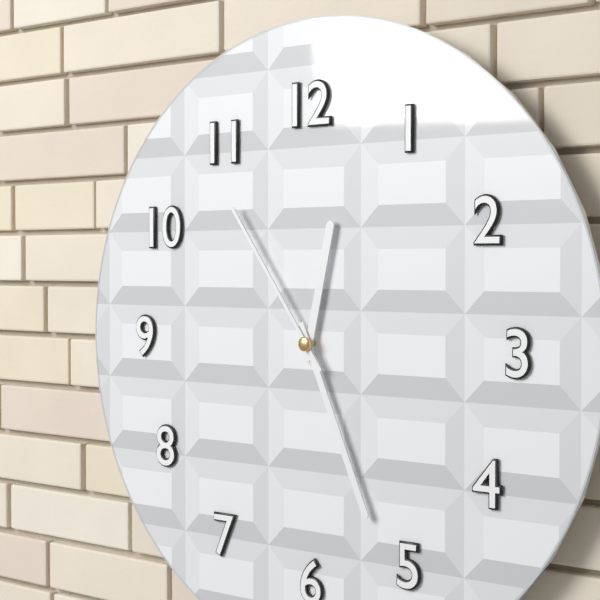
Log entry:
12h26m54s
